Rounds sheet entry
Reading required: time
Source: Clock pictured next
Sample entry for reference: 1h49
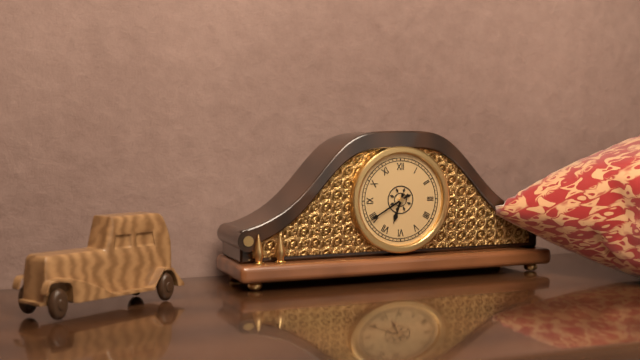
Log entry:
6h40
